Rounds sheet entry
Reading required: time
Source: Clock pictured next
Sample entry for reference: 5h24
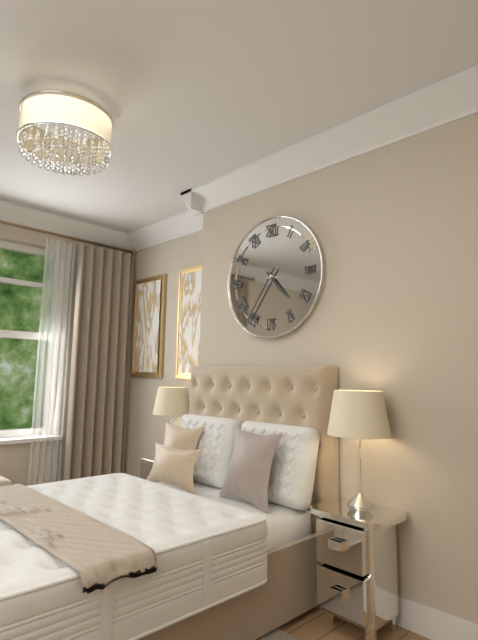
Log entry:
4h36
